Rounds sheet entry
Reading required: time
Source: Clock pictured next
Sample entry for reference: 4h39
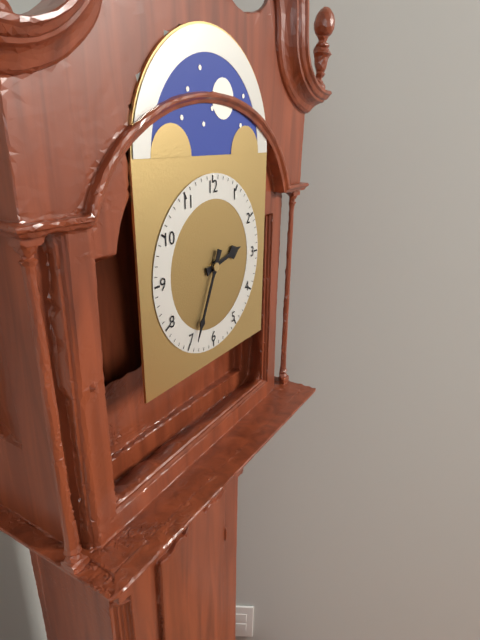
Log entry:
2h34
